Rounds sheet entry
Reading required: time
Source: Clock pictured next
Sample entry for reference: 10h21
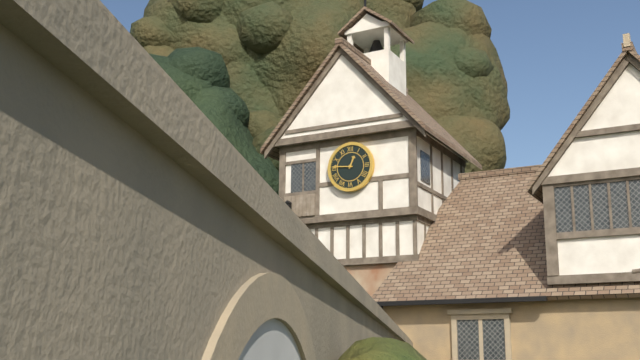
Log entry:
12h46
